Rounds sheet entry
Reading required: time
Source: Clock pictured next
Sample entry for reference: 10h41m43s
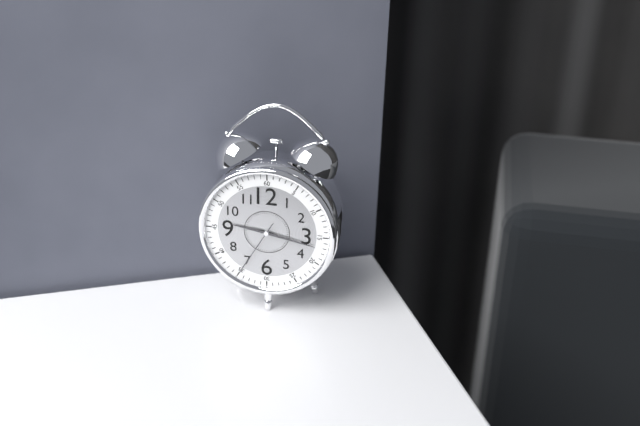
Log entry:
9h17m35s
